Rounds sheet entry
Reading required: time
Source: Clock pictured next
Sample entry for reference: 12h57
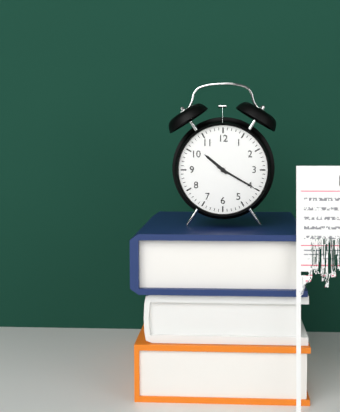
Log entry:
10h20
